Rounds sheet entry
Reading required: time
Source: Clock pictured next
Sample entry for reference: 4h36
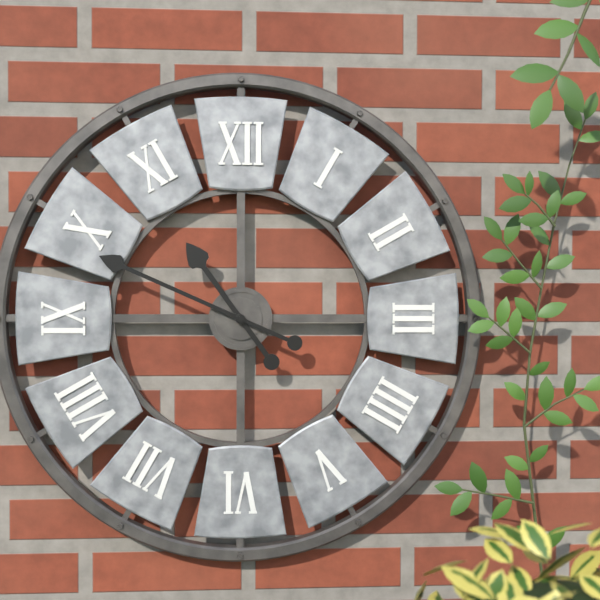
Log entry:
10h49
